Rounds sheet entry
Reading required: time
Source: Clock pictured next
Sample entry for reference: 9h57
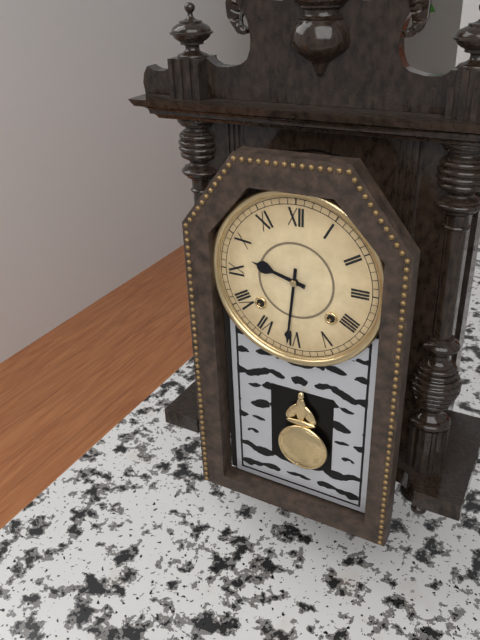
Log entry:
9h31
